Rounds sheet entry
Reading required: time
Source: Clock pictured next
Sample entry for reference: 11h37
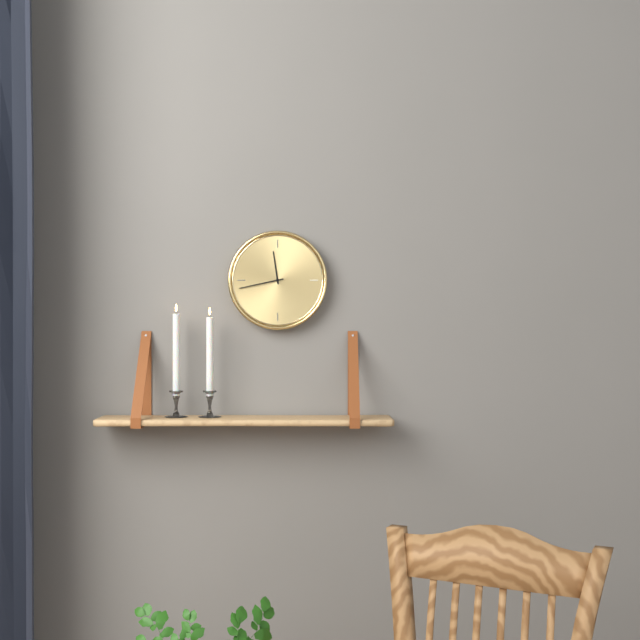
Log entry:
11h43
